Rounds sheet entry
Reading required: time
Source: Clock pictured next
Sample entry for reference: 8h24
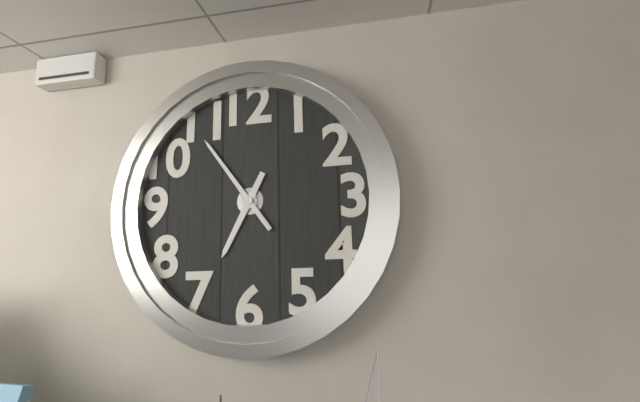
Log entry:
6h54
